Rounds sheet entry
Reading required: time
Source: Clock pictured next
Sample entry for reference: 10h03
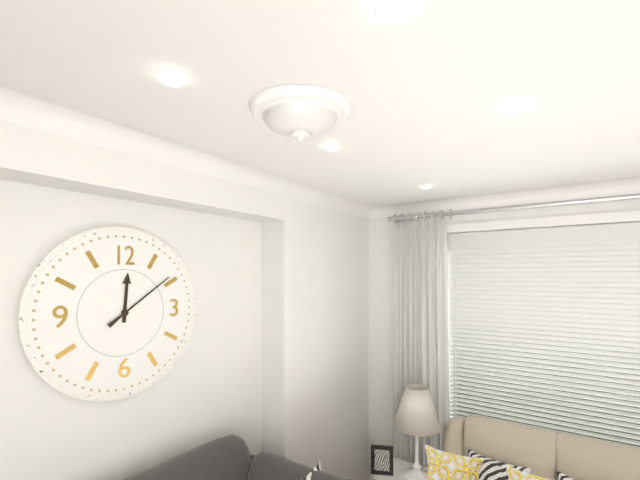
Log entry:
12h09
